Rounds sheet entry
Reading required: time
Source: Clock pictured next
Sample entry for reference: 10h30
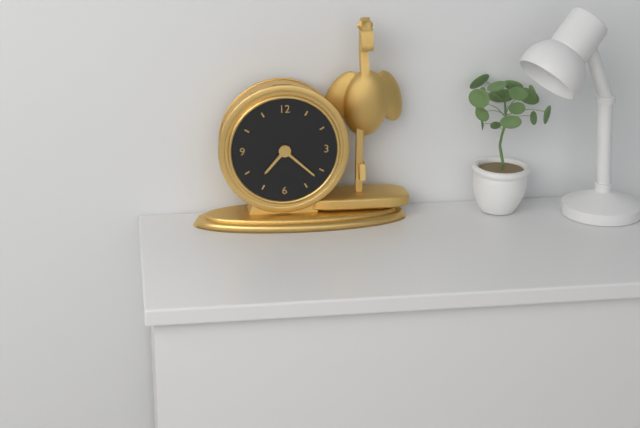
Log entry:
7h22
